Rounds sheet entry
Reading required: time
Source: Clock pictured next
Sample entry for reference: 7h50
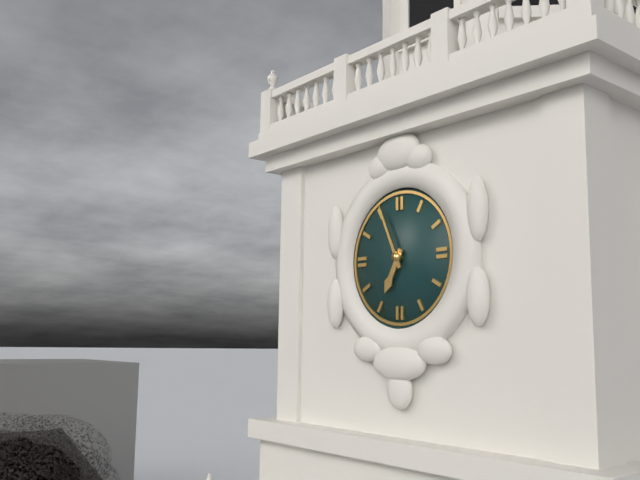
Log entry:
6h56
